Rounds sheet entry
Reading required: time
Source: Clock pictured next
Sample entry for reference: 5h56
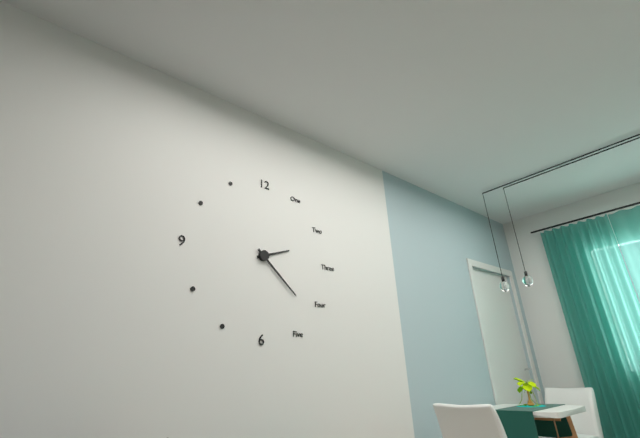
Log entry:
2h22
